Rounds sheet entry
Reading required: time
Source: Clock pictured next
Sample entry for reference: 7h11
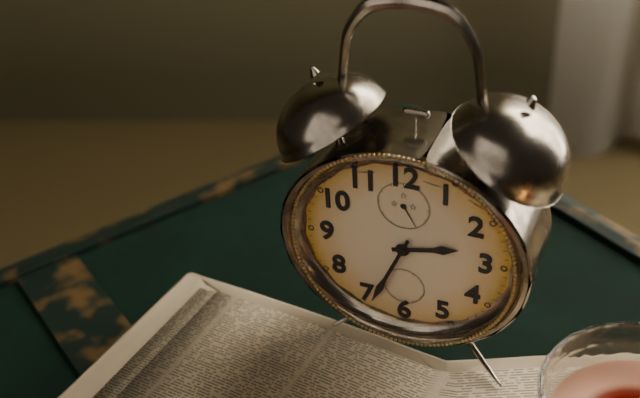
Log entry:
2h34
